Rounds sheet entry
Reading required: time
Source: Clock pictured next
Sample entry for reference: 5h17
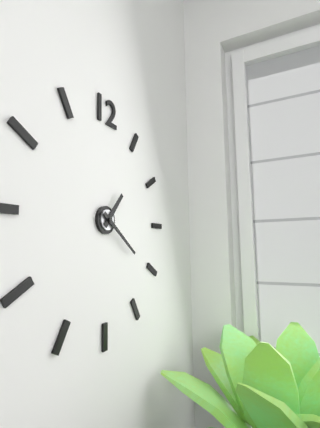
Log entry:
1h21
